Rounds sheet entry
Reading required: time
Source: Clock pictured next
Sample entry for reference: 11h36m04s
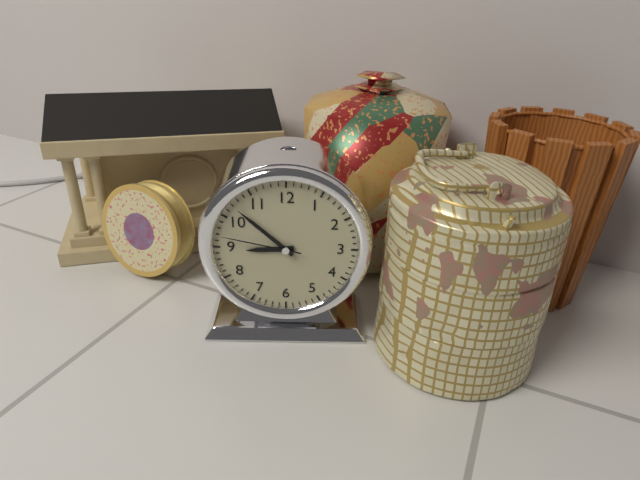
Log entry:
8h52m47s
